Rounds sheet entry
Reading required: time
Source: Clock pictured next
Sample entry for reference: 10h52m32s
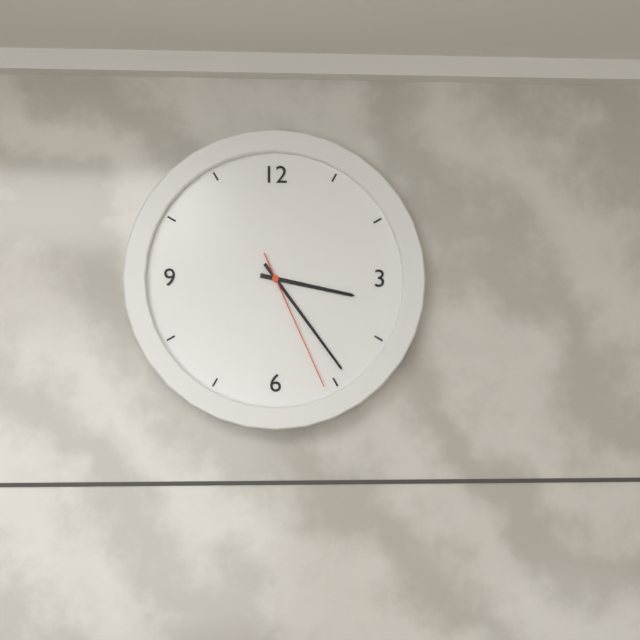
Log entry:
3h24m26s
